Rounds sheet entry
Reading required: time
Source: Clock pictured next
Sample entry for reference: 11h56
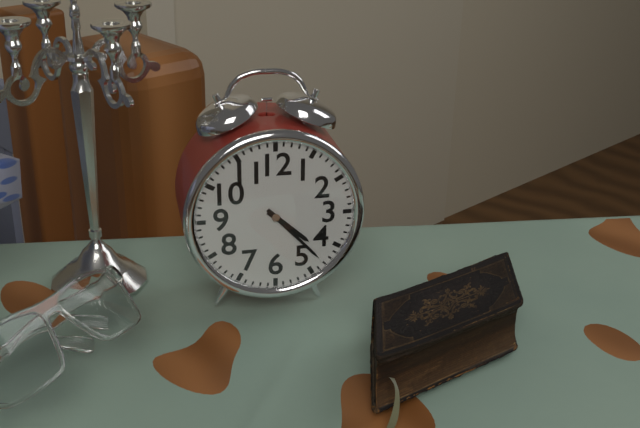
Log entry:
4h23
